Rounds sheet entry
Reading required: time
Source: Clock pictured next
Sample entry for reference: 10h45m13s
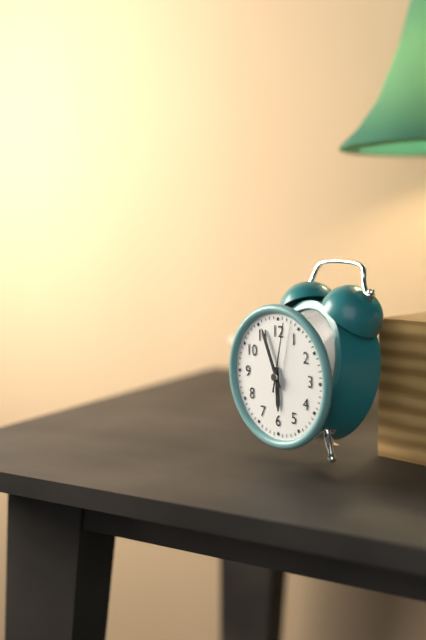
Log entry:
5h56m02s
